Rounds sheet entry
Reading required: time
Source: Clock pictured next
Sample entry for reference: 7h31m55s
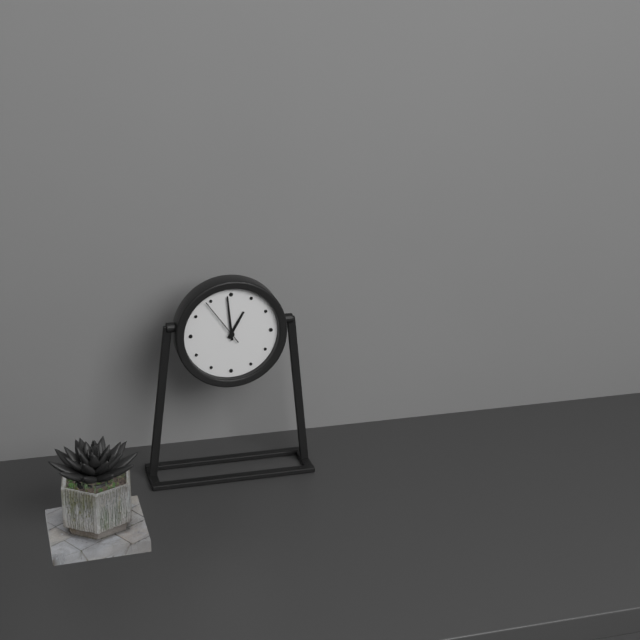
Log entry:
12h59m54s
